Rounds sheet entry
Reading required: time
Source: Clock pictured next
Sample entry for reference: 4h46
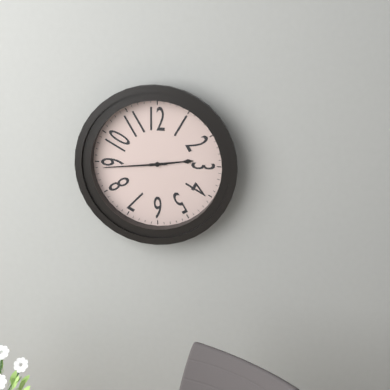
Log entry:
2h44
